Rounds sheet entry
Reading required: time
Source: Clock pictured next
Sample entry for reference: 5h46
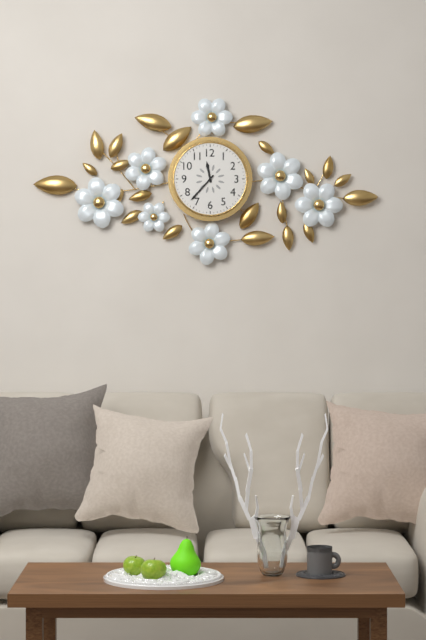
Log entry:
11h37
